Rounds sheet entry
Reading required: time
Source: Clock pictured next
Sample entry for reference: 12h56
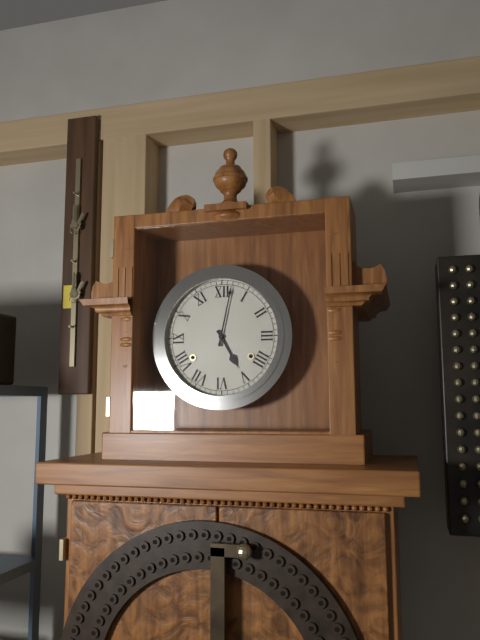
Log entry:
5h02
